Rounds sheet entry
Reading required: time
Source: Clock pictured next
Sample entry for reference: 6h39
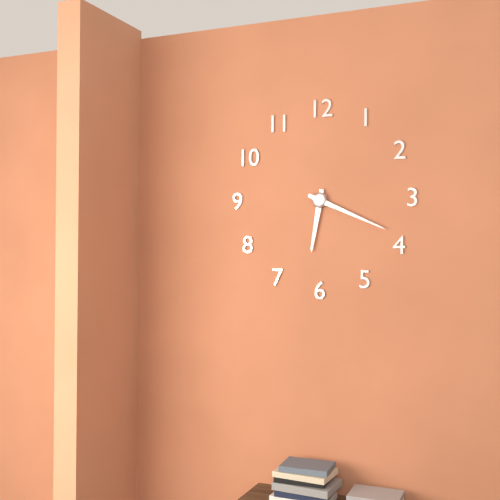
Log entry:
6h19
